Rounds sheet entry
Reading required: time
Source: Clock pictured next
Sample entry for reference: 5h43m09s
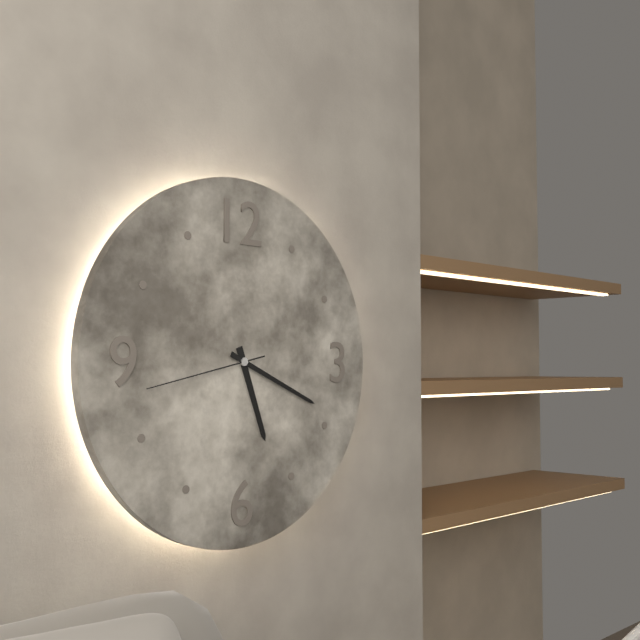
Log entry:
5h19m43s
